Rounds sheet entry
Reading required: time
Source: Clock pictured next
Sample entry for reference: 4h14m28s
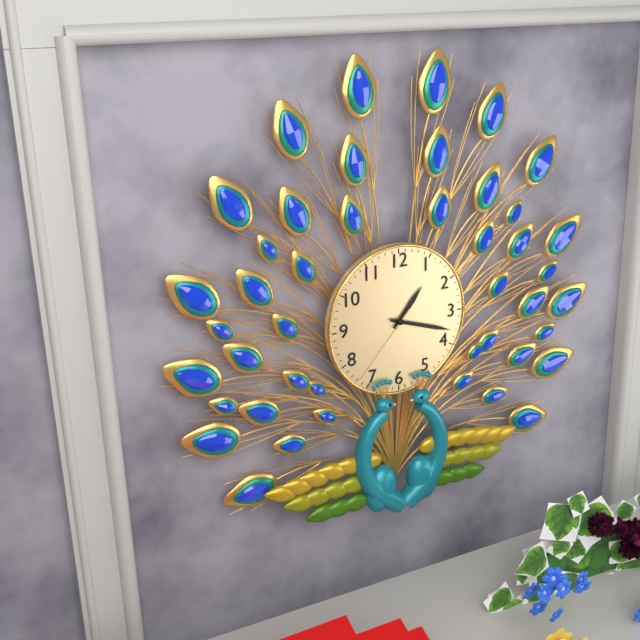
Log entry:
1h18m37s
